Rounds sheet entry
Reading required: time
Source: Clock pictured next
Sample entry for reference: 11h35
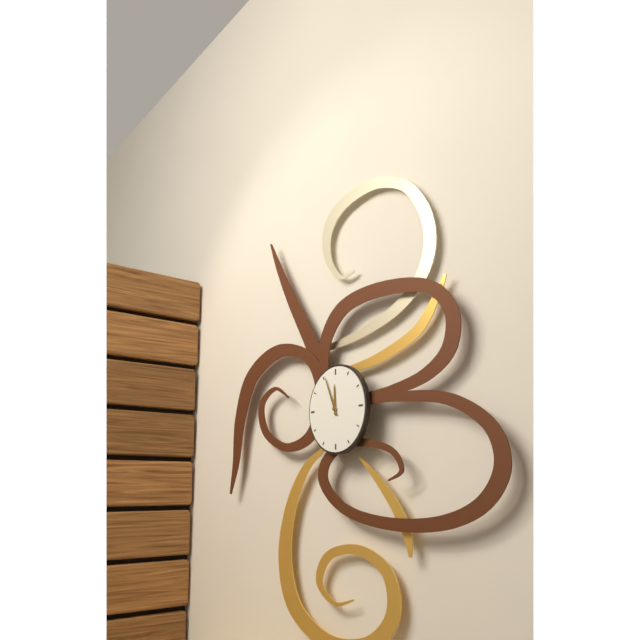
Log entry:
11h56
